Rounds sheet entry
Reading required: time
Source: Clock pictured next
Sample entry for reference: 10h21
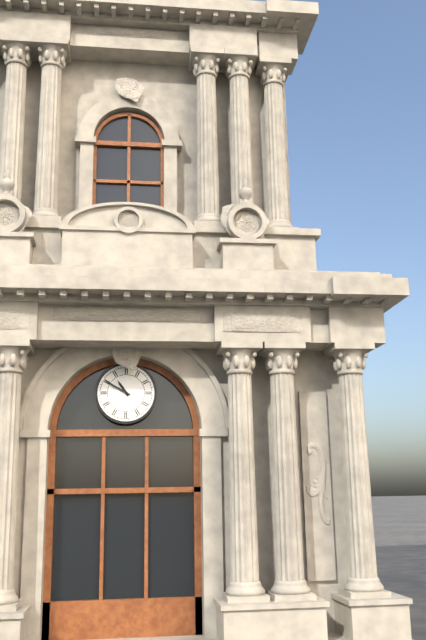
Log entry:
10h50
